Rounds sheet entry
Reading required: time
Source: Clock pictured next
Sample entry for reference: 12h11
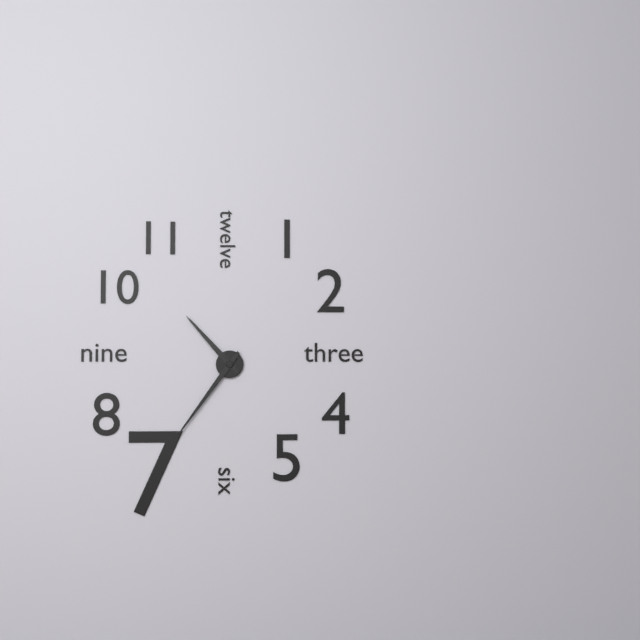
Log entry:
10h36
